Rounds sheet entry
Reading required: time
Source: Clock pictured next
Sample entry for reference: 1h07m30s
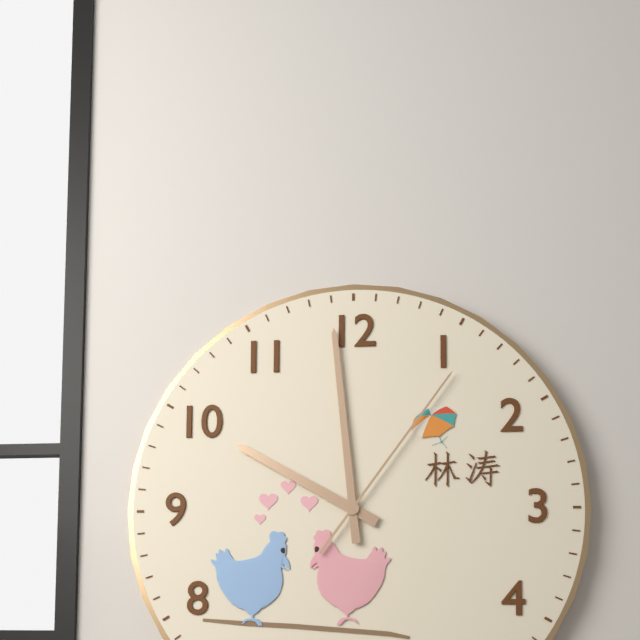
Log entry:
9h59m06s
